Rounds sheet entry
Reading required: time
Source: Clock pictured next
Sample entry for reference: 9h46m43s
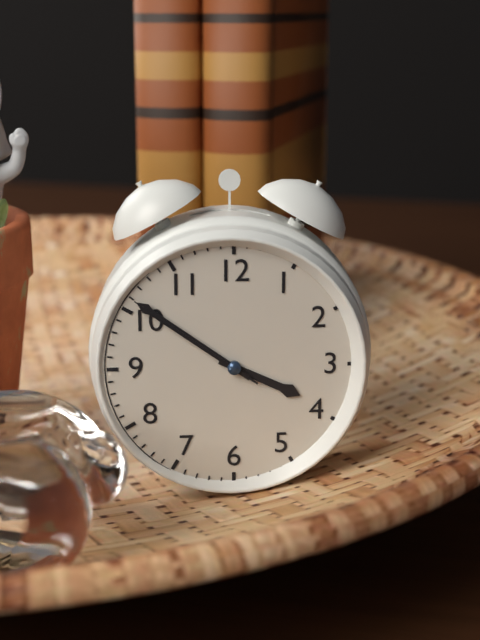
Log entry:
3h51m51s
